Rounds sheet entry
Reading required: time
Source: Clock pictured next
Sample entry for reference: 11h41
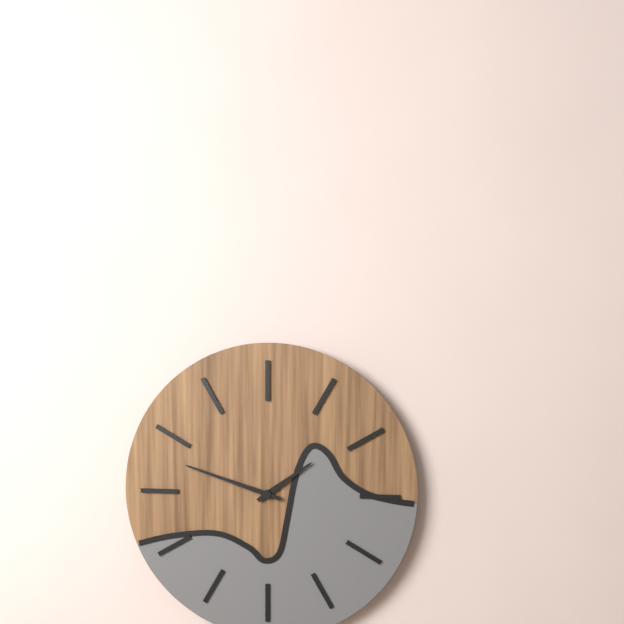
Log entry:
1h48
